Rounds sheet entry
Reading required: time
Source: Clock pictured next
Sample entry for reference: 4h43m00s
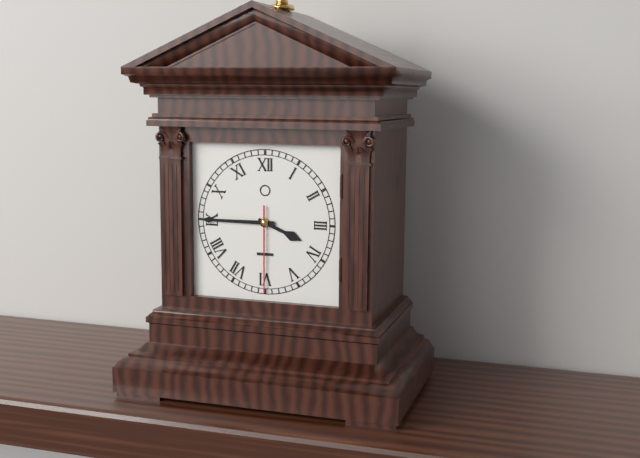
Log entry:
3h45m30s
